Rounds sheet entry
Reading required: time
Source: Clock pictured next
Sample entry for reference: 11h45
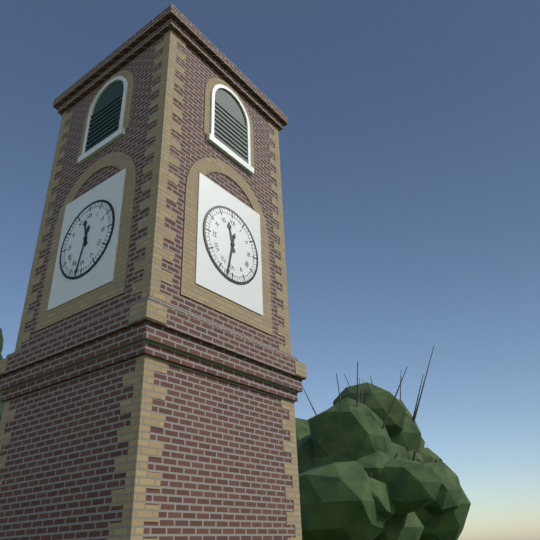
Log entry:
11h32
